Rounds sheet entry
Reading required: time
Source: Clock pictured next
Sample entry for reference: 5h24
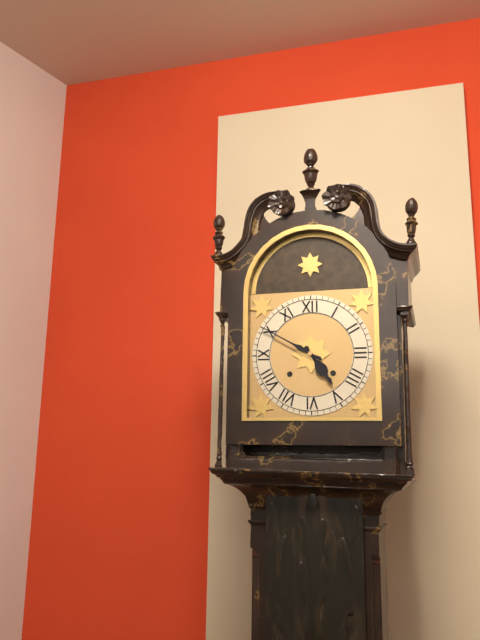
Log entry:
4h50
